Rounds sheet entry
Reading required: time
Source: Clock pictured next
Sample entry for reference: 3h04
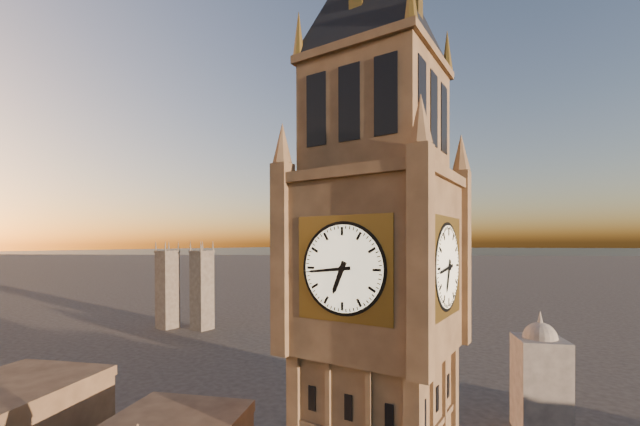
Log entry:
6h44
